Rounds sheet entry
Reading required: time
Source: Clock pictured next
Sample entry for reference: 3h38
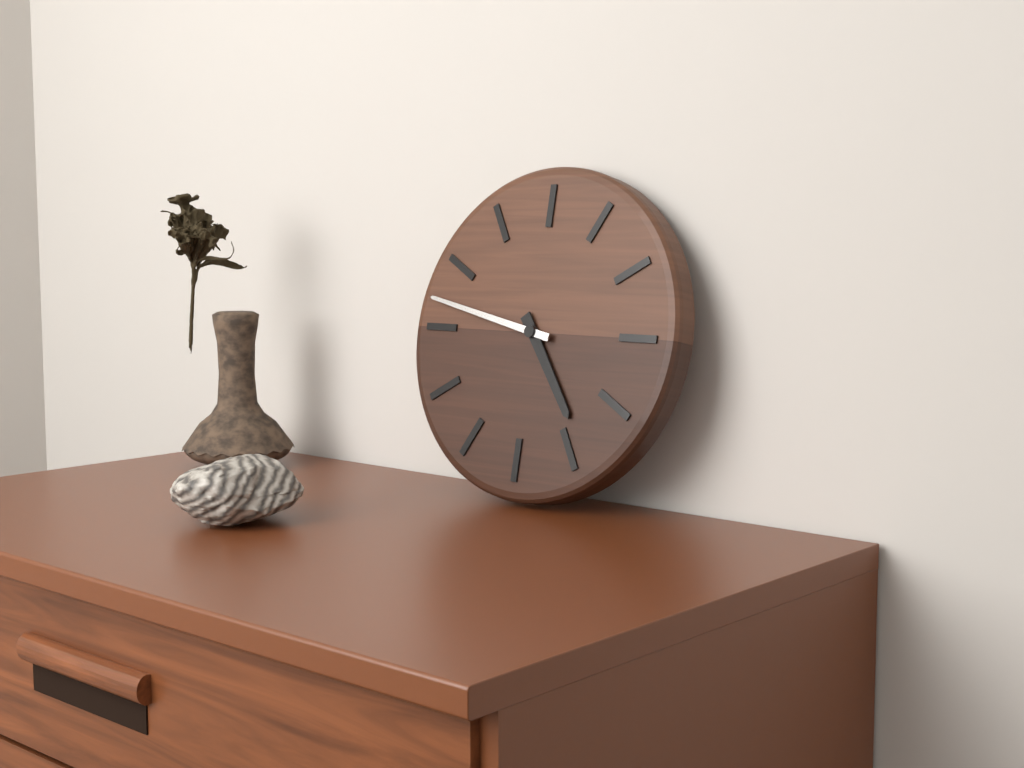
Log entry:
4h47
